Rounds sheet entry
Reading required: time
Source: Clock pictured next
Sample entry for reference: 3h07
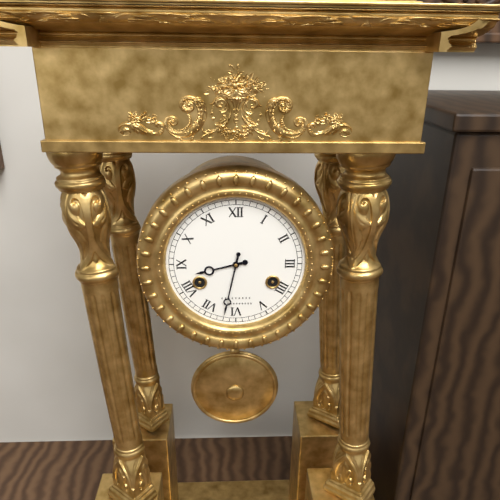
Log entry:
8h32
